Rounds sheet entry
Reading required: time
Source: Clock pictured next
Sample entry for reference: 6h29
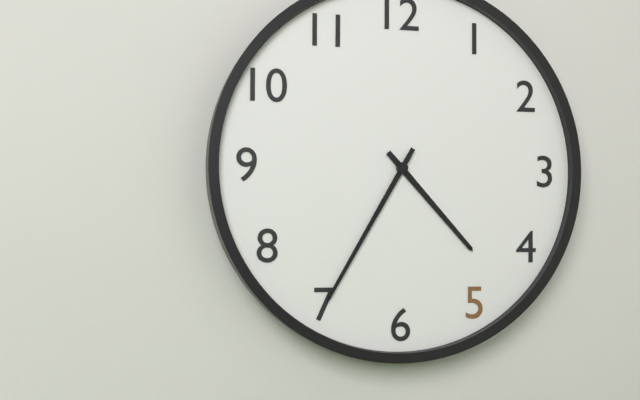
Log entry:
4h35
